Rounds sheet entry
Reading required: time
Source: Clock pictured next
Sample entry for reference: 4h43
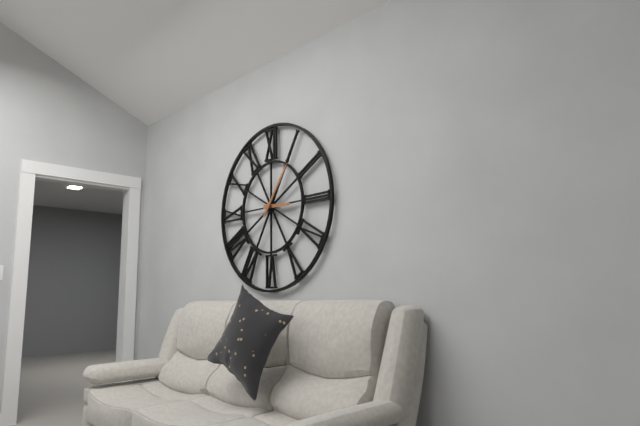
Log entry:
3h06
